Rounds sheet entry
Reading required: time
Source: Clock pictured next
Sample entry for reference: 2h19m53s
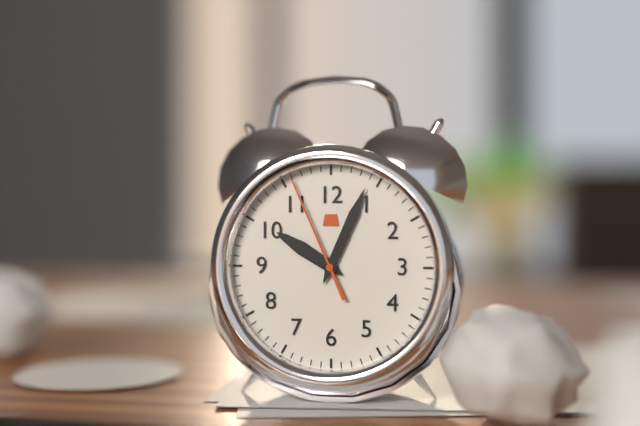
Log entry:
10h04m56s
